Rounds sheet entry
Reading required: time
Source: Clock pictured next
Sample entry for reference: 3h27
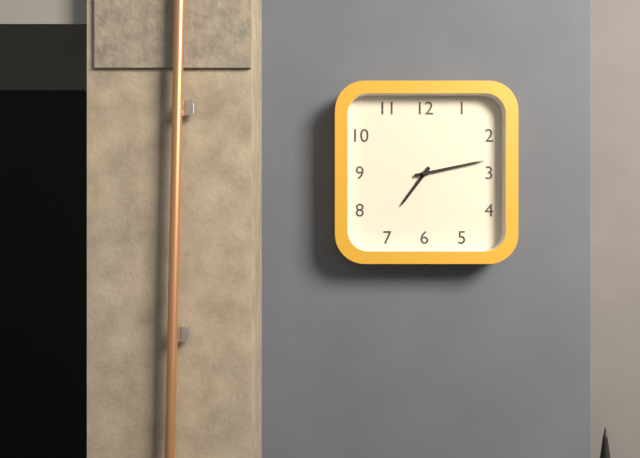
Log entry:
7h13
